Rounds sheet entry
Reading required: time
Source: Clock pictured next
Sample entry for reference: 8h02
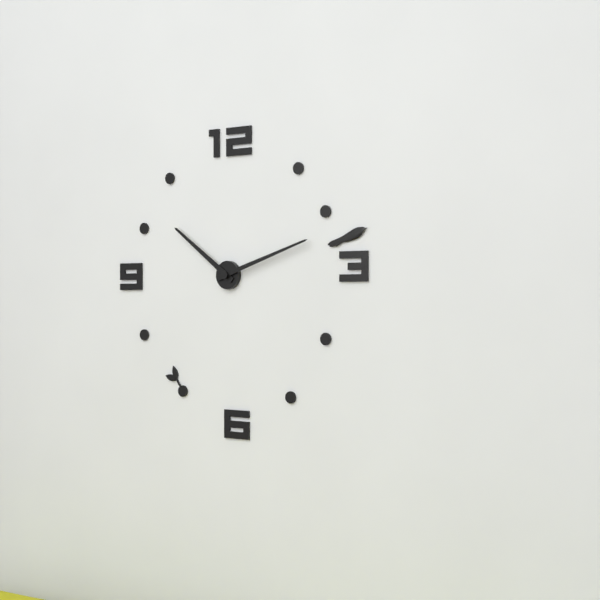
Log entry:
10h12
